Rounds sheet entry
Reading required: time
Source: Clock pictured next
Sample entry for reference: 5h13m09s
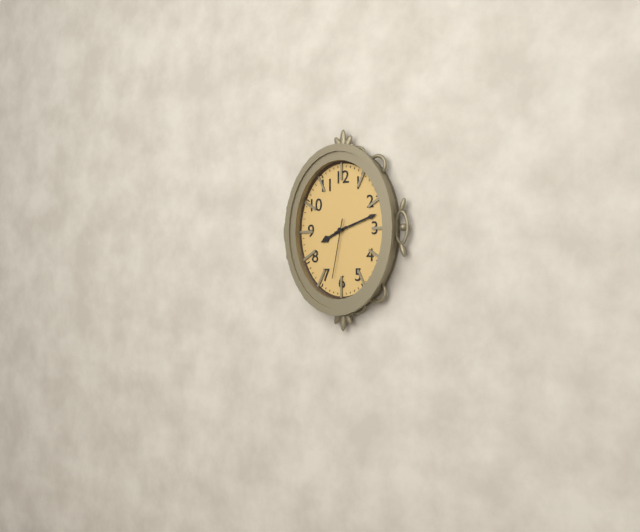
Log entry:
8h12m32s
